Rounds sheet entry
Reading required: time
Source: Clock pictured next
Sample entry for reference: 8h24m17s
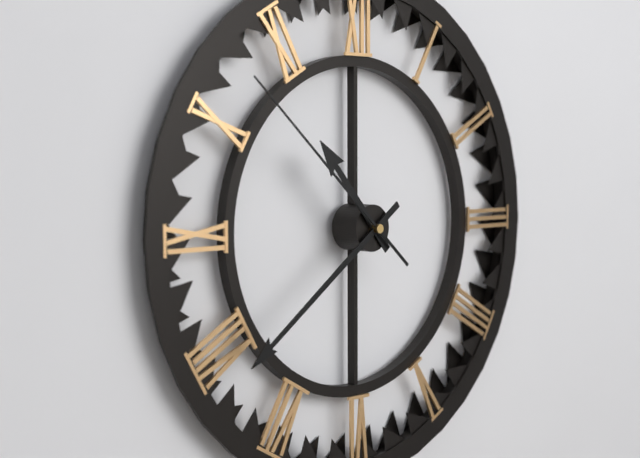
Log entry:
10h39m52s
